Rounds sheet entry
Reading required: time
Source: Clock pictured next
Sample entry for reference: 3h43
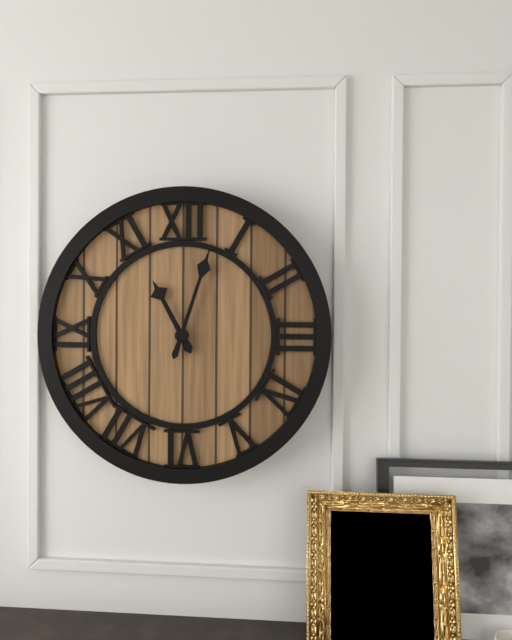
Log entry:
11h03
